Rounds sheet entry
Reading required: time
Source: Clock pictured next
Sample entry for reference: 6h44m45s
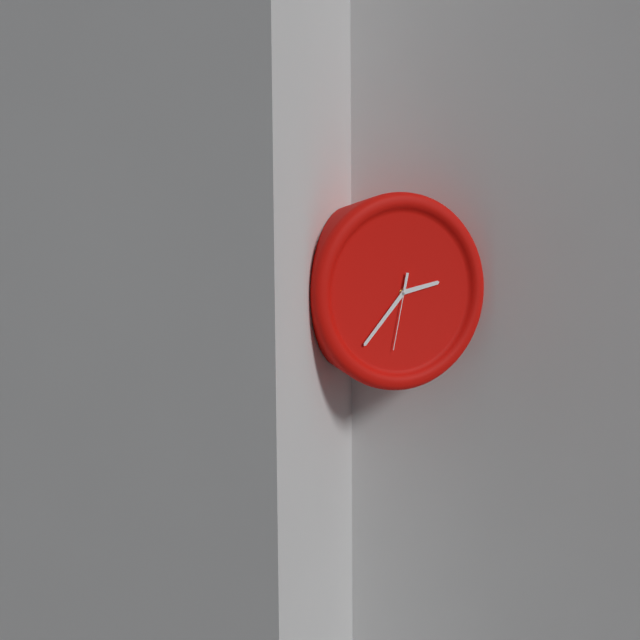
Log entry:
2h37m32s
